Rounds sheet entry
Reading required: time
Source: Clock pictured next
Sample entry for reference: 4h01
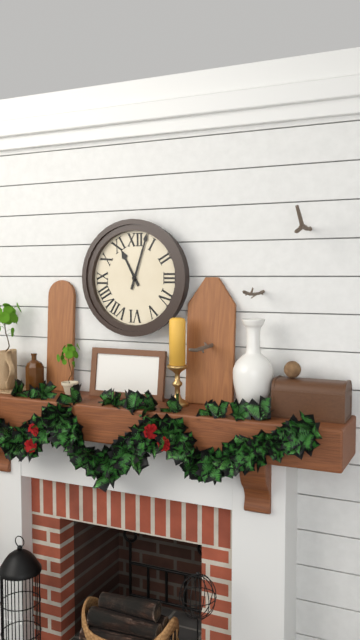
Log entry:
11h03
